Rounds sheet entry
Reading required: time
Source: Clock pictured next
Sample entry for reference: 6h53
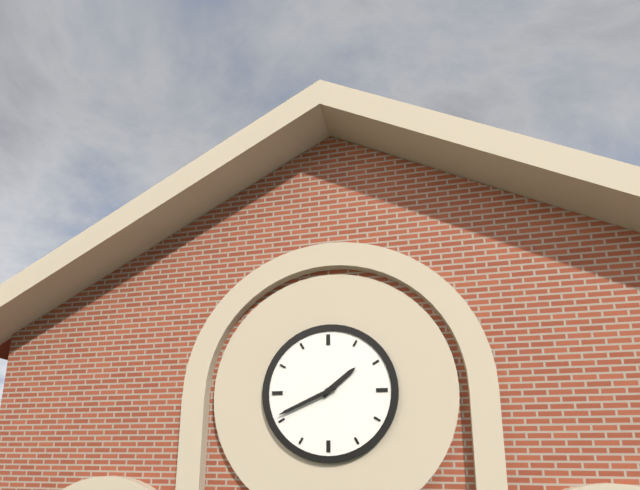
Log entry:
1h41
